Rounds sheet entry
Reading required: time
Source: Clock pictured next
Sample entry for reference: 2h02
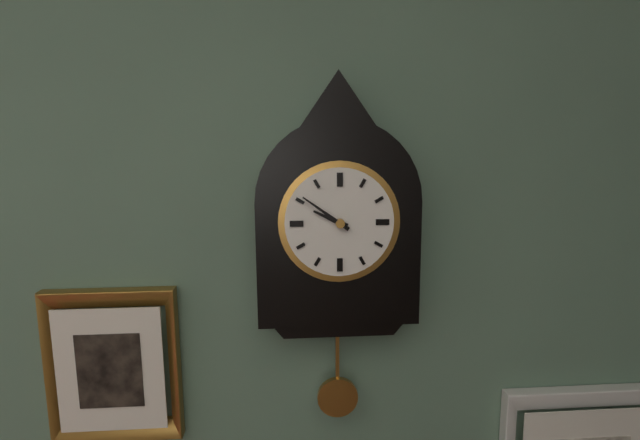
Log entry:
9h51
